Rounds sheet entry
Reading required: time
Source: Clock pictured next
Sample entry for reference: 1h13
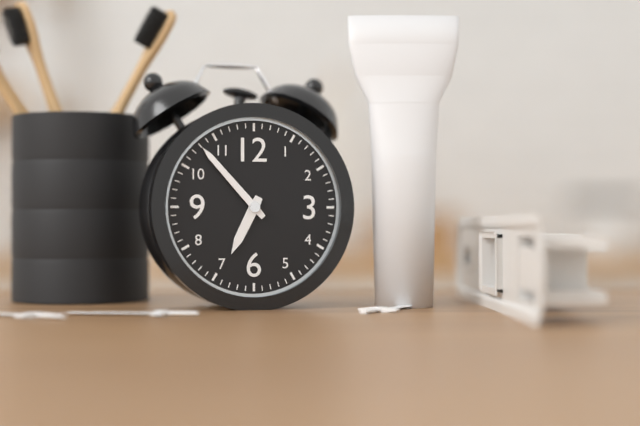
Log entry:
6h53
